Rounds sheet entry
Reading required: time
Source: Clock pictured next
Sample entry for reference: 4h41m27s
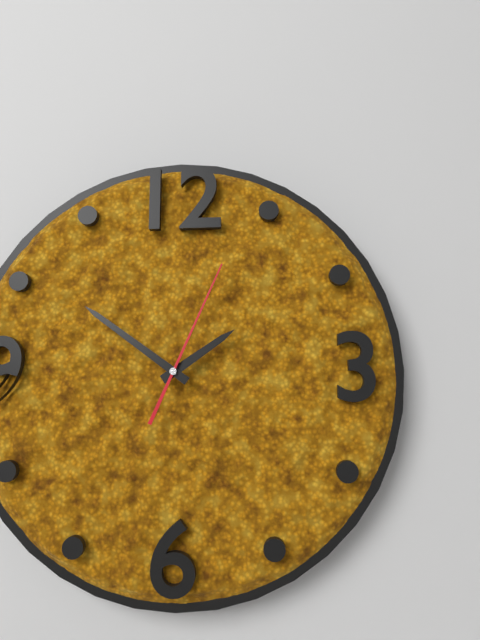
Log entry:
1h51m04s
